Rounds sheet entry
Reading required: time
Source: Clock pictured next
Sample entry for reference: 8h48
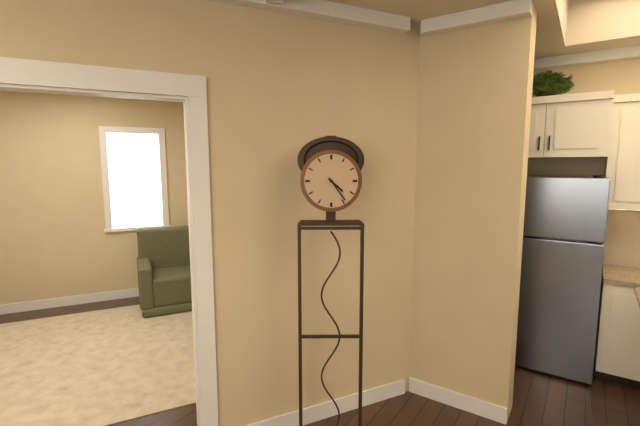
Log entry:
4h24
